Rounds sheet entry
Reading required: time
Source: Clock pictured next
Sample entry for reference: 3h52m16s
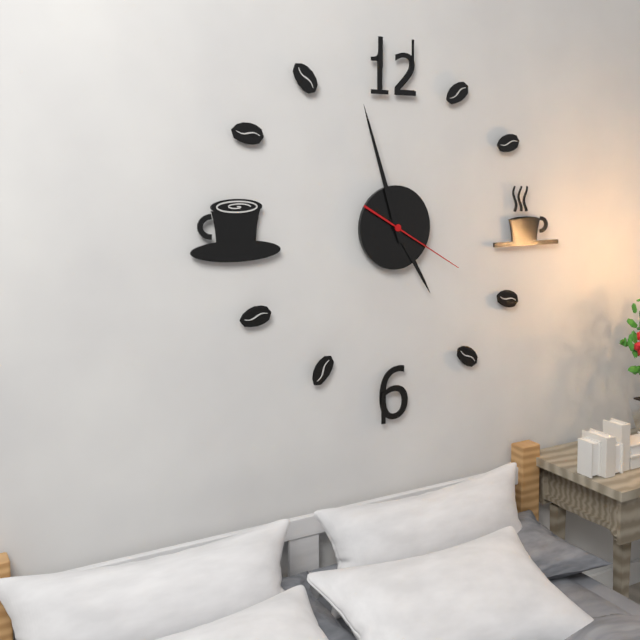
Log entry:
4h57m20s
